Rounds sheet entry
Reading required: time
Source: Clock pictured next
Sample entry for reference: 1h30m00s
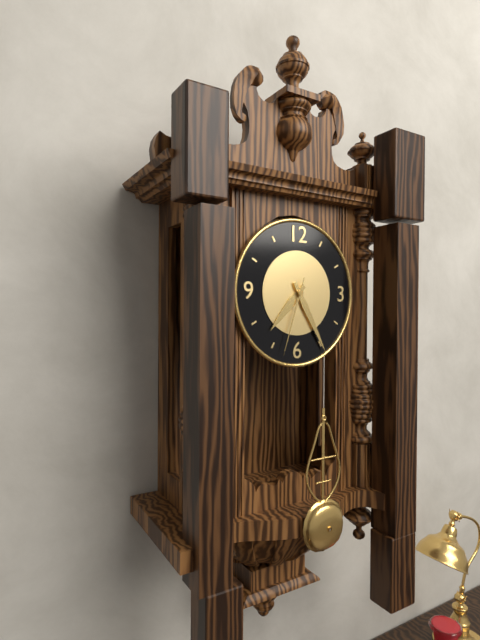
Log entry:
7h25m33s
